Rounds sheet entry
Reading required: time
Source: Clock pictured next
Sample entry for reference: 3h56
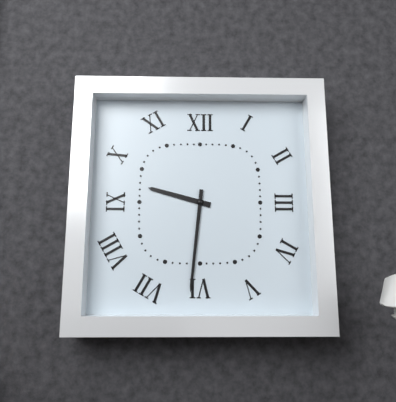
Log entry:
9h31
